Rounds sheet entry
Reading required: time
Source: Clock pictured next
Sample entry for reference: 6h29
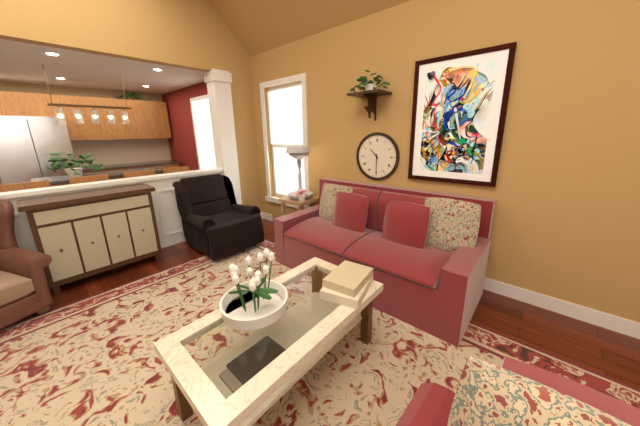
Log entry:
10h30
